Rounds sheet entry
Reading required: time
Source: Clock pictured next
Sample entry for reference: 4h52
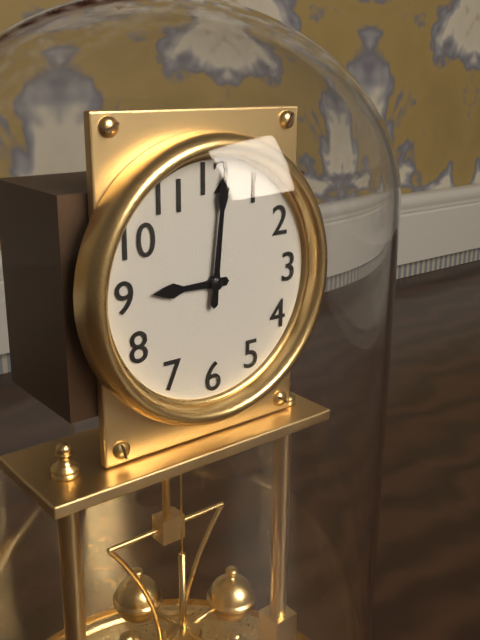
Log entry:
9h01
